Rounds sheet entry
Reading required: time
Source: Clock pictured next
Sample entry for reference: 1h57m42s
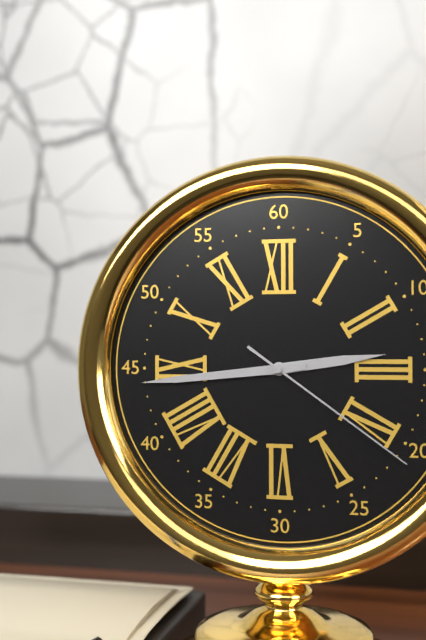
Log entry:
2h44m21s
